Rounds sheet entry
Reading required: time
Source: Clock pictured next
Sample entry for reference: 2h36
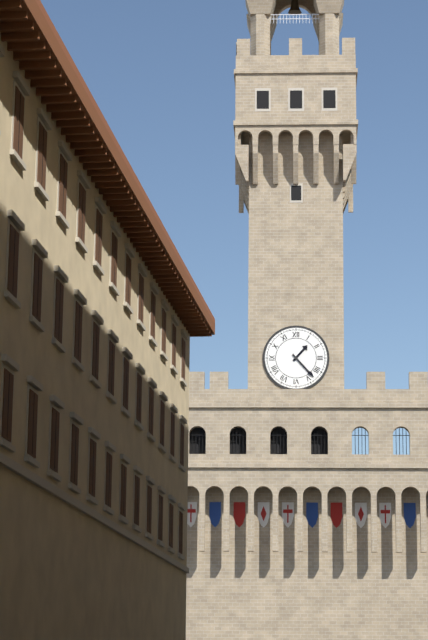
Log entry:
1h23
